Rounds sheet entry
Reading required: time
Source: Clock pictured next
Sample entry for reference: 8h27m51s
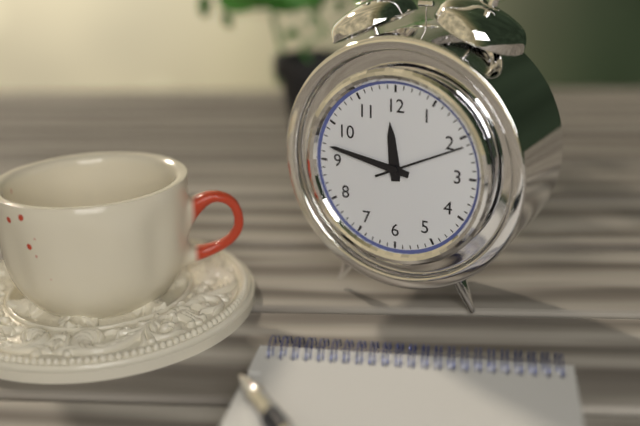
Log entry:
11h47m11s
